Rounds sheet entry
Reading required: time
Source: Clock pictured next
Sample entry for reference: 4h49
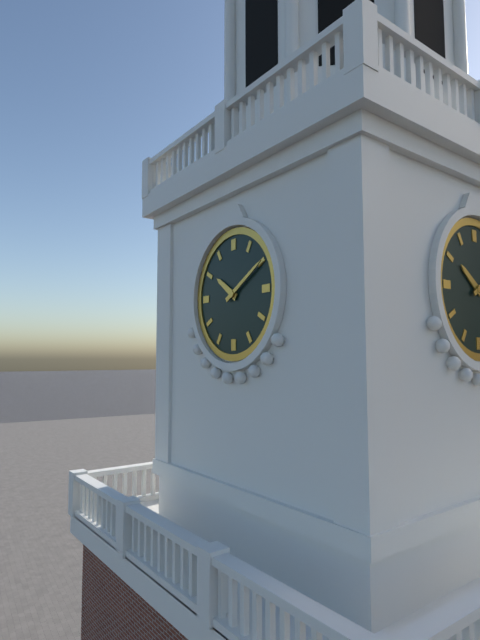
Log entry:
10h10
